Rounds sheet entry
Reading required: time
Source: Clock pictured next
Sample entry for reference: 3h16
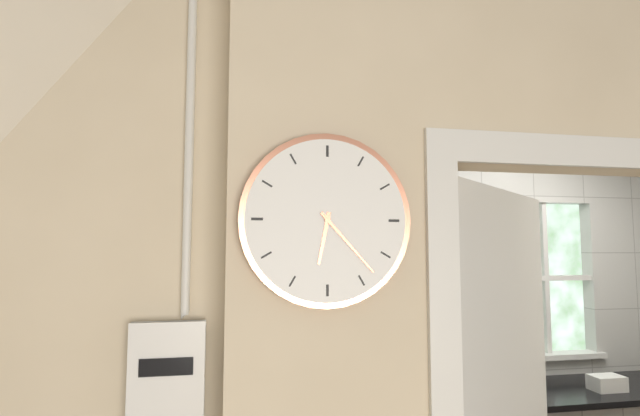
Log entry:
6h23
